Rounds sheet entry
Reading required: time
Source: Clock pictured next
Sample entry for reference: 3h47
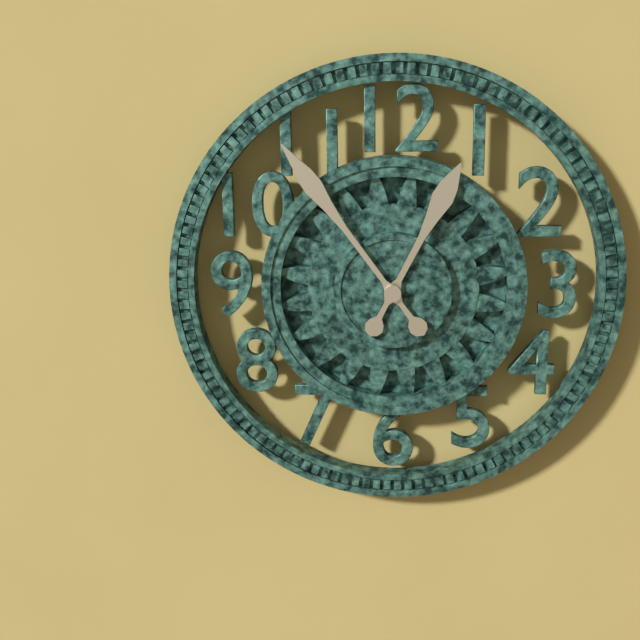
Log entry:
12h54
